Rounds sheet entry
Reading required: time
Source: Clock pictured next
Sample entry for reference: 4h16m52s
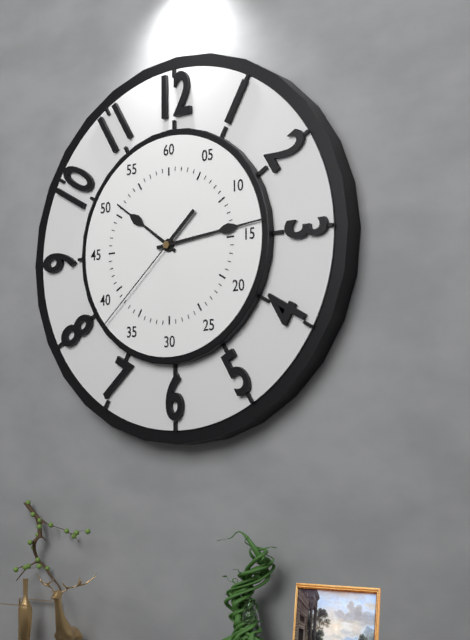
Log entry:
10h14m38s
